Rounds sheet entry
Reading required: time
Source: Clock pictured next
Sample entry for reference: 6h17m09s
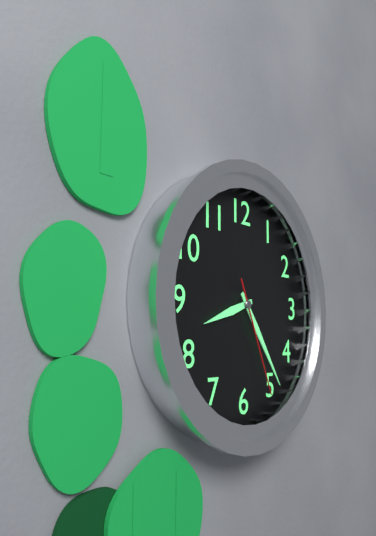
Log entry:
8h24m26s
